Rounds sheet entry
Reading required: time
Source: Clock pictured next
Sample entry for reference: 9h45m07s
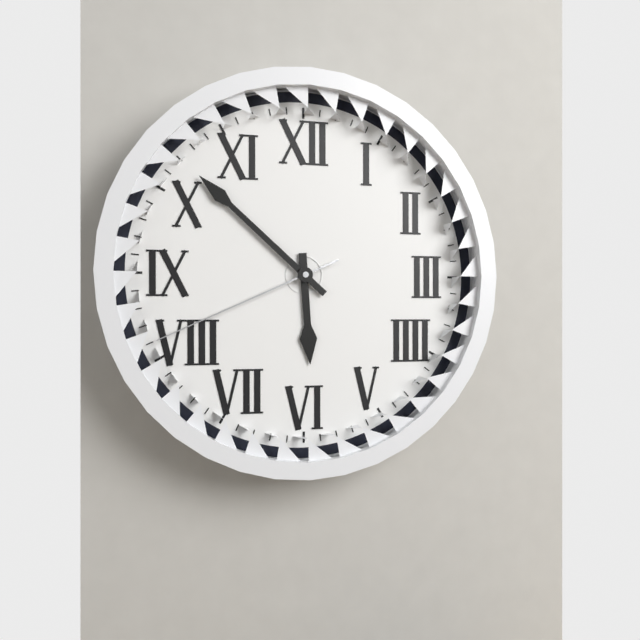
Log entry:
5h52m41s
